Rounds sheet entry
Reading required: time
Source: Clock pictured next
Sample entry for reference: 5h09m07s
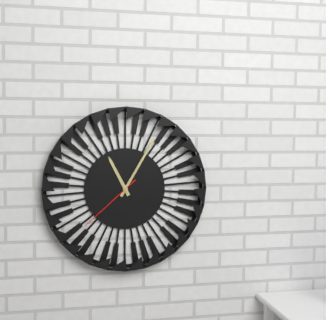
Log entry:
11h05m38s
